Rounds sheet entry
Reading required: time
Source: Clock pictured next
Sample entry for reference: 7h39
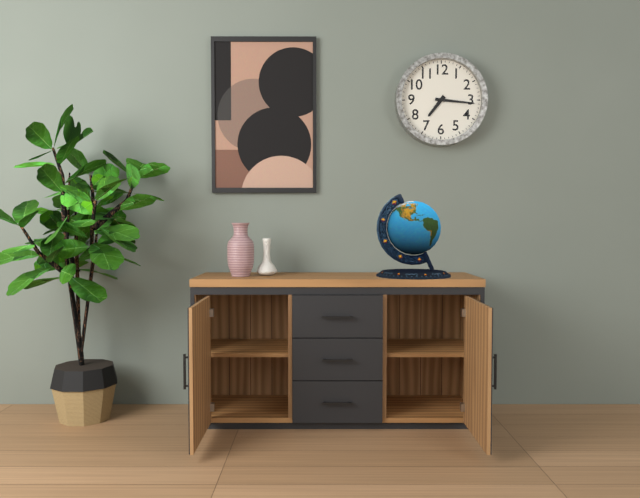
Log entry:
7h16
